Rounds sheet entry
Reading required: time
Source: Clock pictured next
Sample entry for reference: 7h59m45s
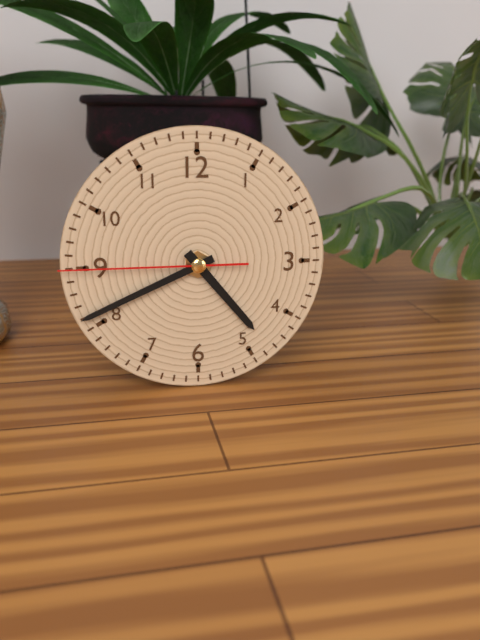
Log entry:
4h41m45s
